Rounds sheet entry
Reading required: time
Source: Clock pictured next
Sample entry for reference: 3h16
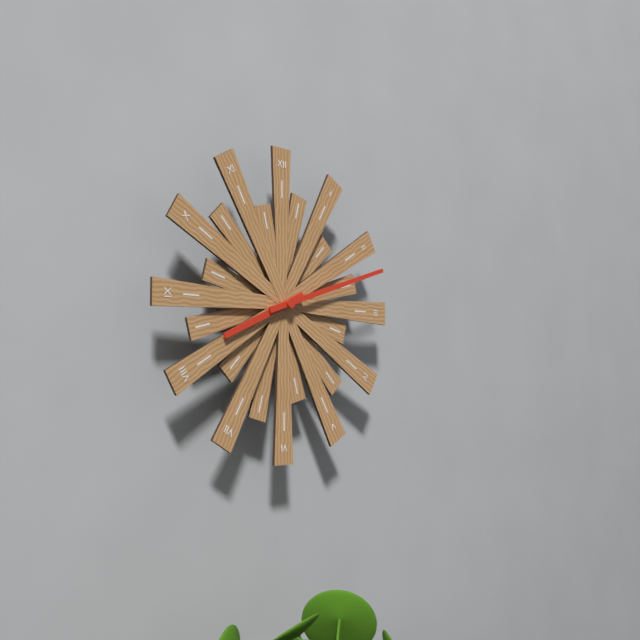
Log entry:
8h12
